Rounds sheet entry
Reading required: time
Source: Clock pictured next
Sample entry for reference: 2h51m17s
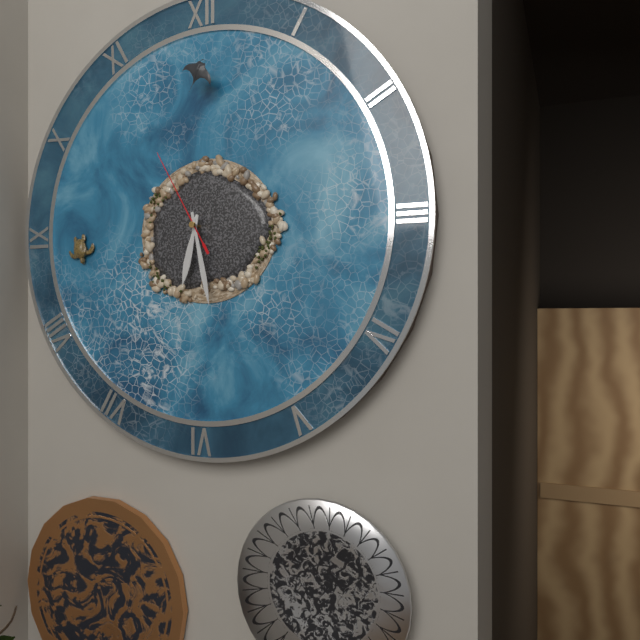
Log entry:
6h28m55s
